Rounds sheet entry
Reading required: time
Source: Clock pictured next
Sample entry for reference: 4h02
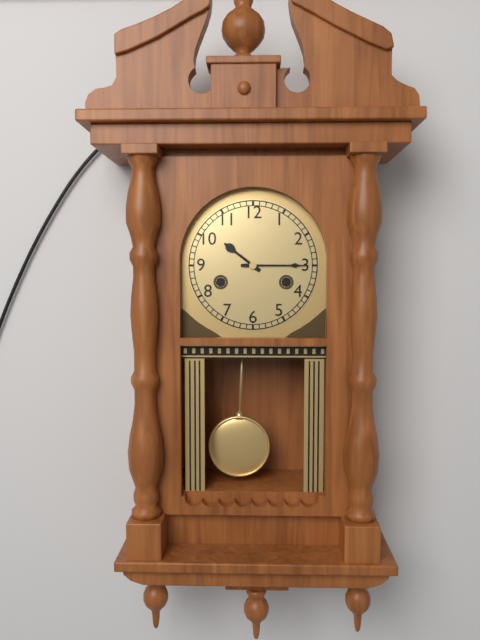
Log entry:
10h15
